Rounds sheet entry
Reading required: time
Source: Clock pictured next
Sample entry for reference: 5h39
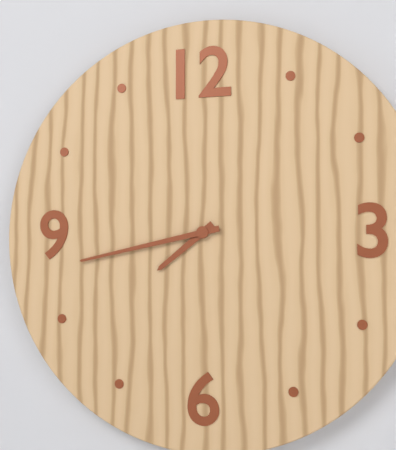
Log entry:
7h43
